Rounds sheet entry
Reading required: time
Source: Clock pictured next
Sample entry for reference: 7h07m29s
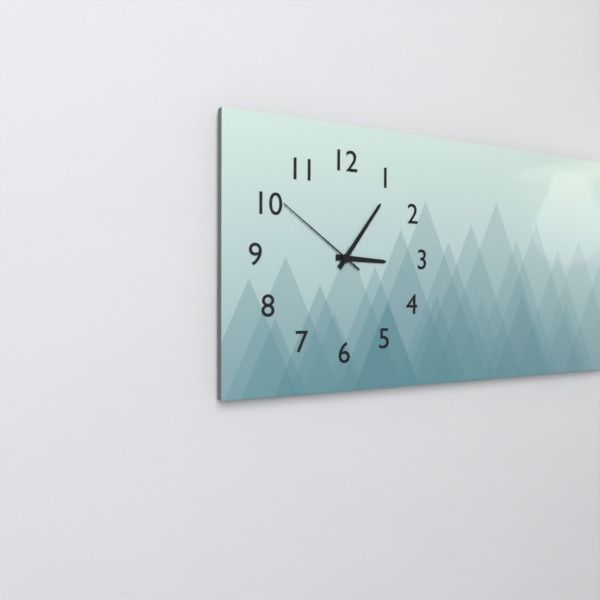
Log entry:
3h06m51s
